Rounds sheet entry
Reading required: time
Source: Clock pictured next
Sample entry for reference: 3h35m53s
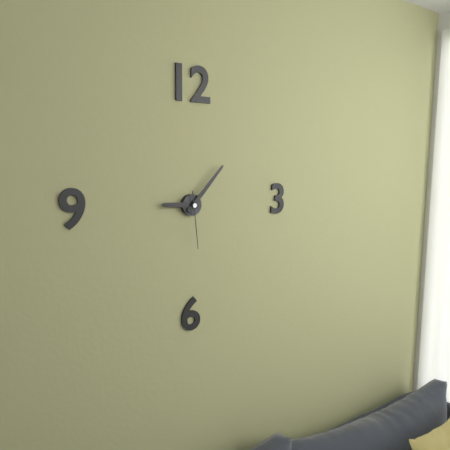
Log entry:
9h07m29s
